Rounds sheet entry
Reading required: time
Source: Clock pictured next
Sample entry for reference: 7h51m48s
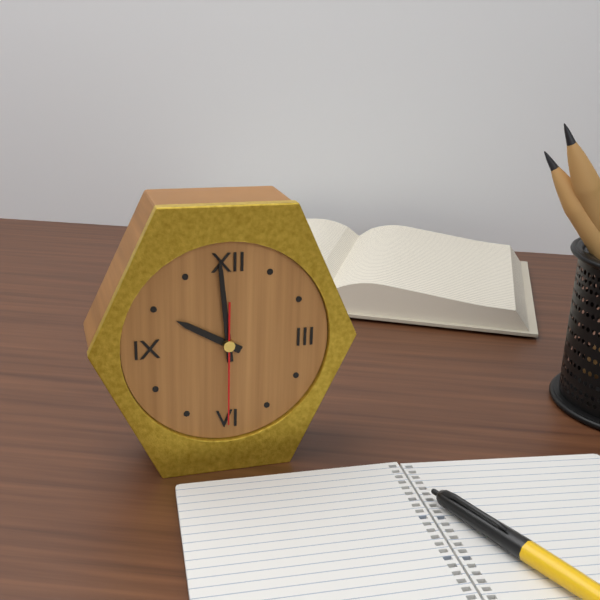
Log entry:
9h59m30s
